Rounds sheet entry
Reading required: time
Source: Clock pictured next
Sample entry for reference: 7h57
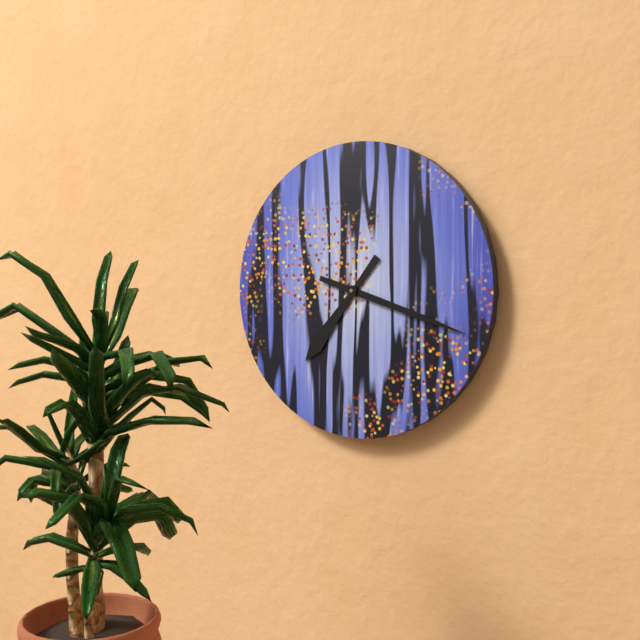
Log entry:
7h18
